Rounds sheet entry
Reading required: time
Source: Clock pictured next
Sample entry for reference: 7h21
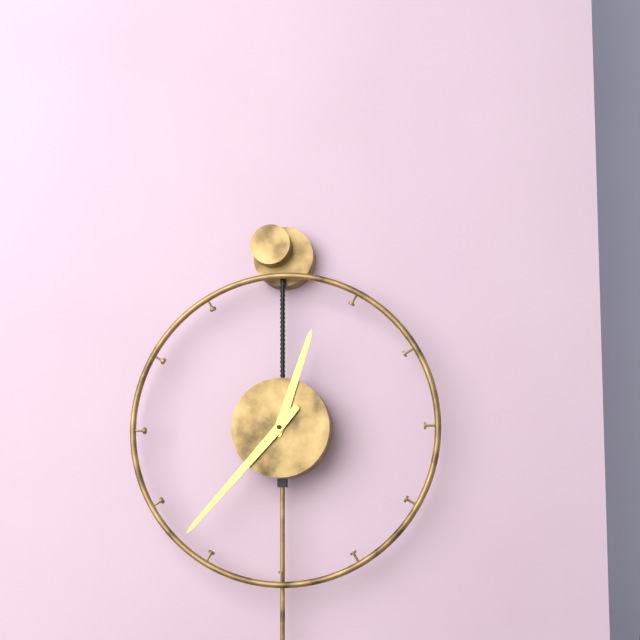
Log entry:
12h37
